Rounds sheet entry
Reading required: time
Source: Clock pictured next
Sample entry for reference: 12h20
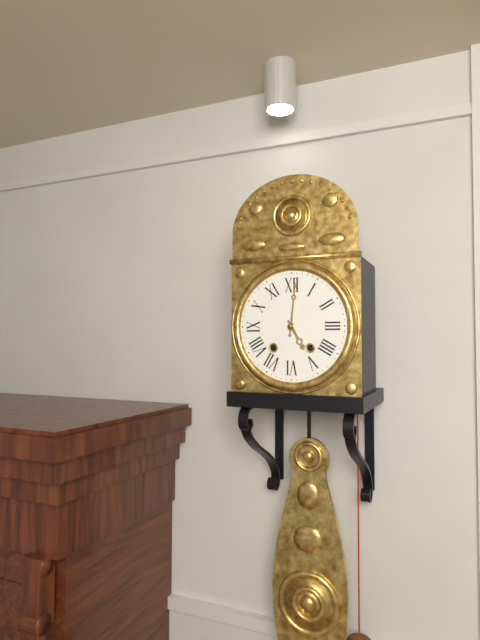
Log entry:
5h01
